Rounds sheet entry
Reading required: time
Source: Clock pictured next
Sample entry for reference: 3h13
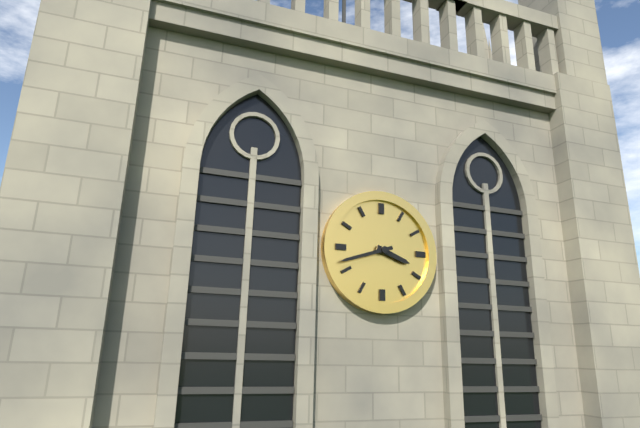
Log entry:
3h42
